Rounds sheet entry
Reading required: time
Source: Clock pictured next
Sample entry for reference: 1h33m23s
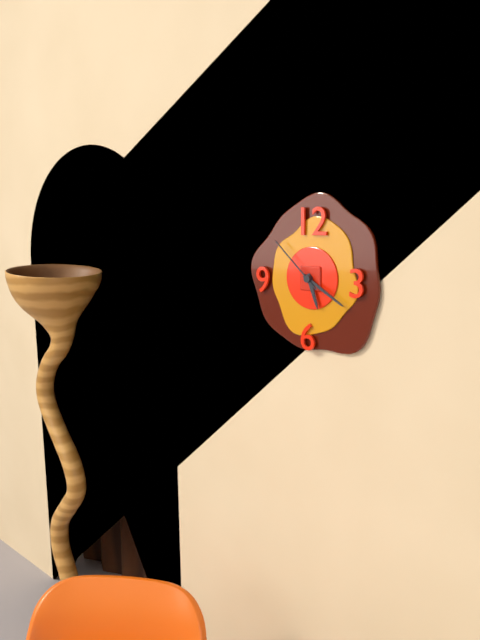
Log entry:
5h20m52s
